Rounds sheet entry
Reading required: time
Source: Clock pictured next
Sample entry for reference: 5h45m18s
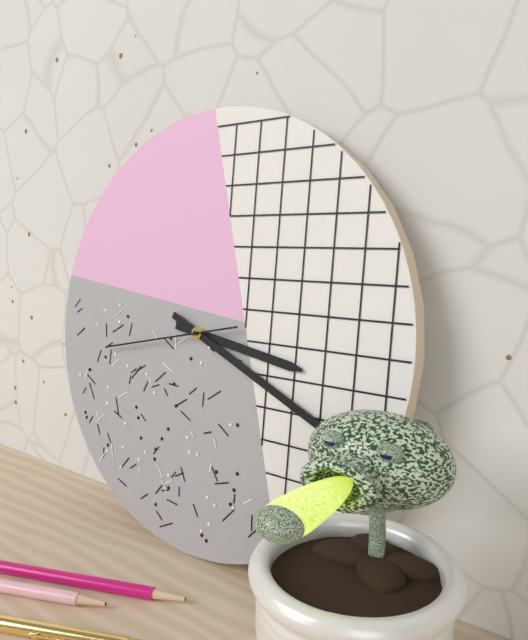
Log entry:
3h19m43s
